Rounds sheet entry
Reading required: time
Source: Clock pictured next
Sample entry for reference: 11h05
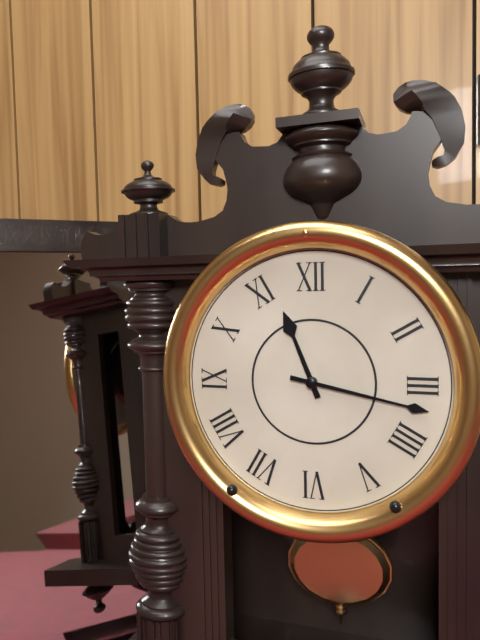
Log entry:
11h17
